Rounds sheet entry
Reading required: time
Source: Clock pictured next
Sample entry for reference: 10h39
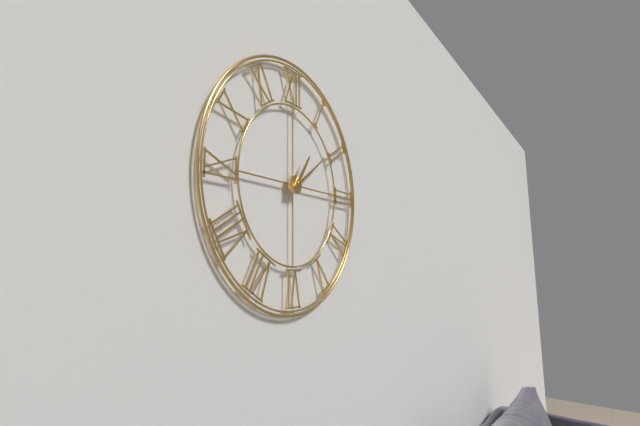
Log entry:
1h09
